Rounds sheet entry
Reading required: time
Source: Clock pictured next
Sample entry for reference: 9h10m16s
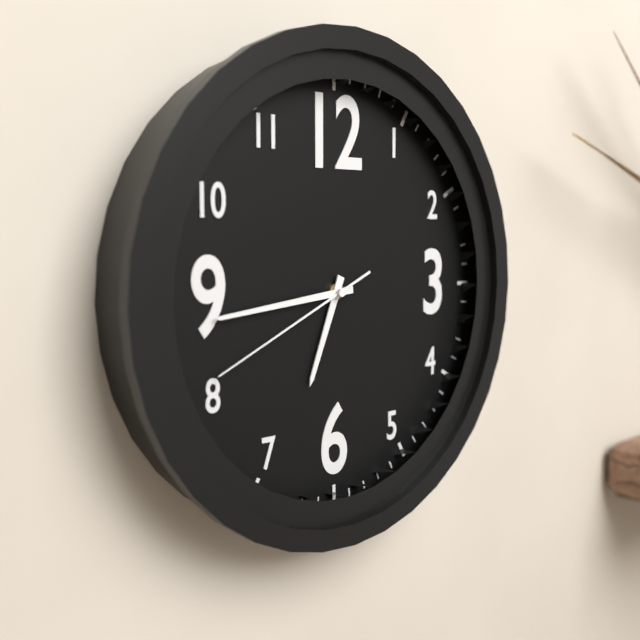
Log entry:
6h44m41s
